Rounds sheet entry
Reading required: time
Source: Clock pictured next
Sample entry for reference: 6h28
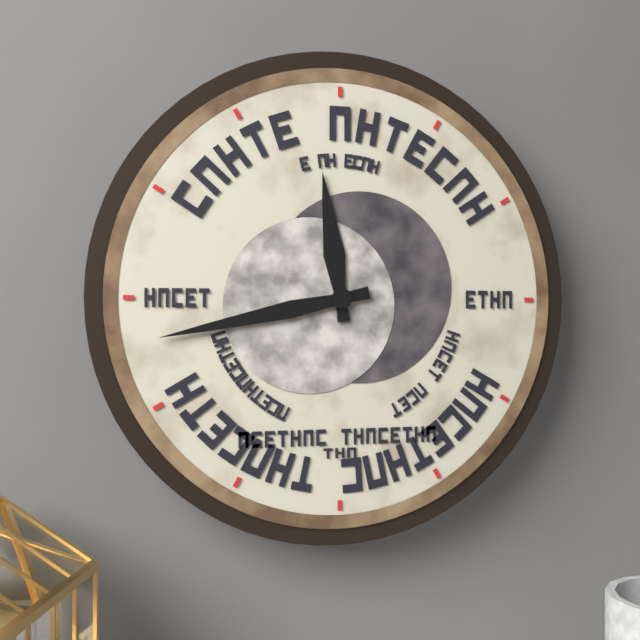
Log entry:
11h43
